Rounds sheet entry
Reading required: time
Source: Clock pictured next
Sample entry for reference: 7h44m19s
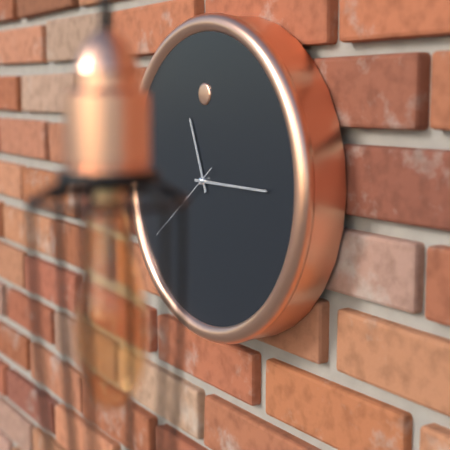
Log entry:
11h15m39s
